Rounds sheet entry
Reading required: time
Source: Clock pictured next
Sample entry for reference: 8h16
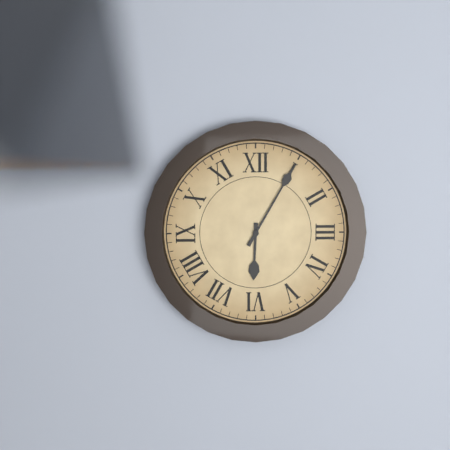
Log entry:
6h05
